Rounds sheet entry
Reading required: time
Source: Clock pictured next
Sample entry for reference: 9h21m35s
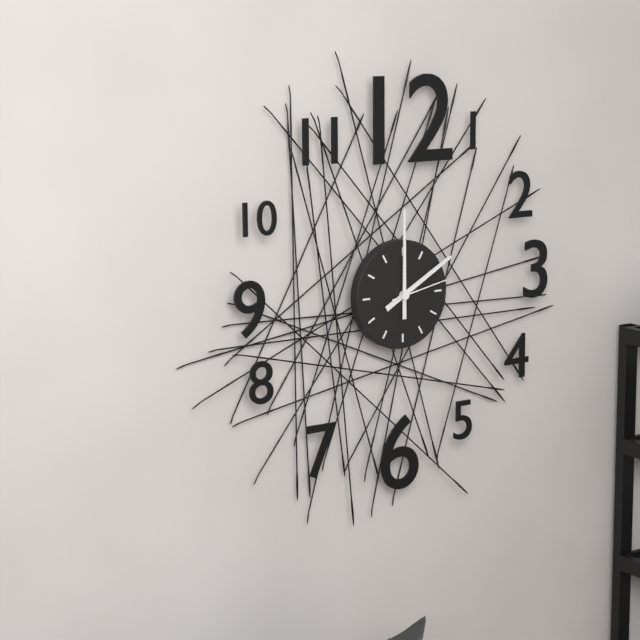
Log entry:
2h00m13s
